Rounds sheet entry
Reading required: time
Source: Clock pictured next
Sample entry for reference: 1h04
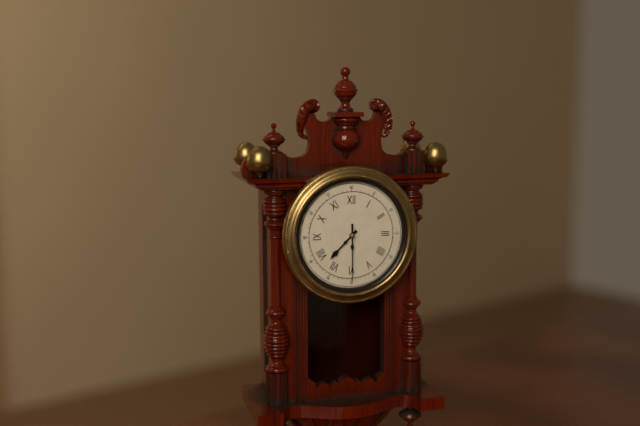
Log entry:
7h30
